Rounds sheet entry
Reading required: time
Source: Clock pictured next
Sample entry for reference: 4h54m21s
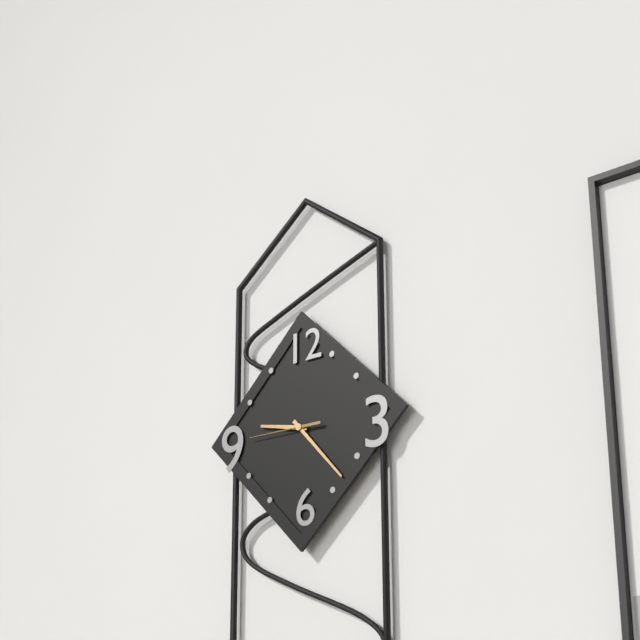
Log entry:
9h23m45s
